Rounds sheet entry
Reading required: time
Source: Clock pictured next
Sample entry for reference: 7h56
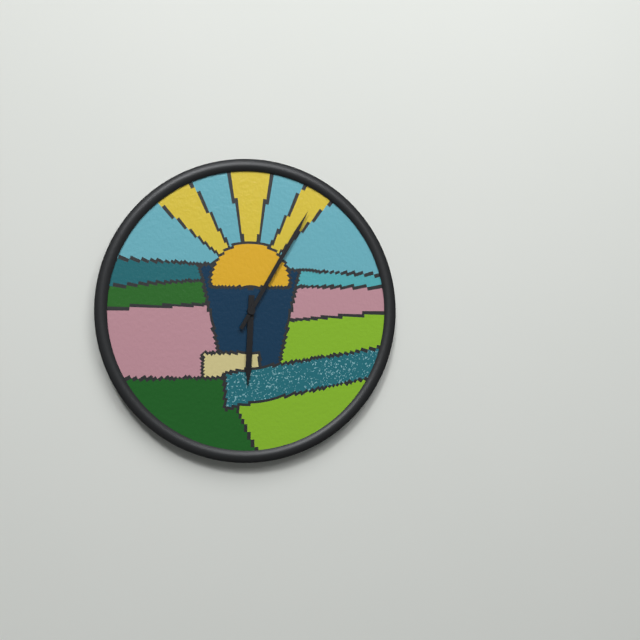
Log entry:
6h05
